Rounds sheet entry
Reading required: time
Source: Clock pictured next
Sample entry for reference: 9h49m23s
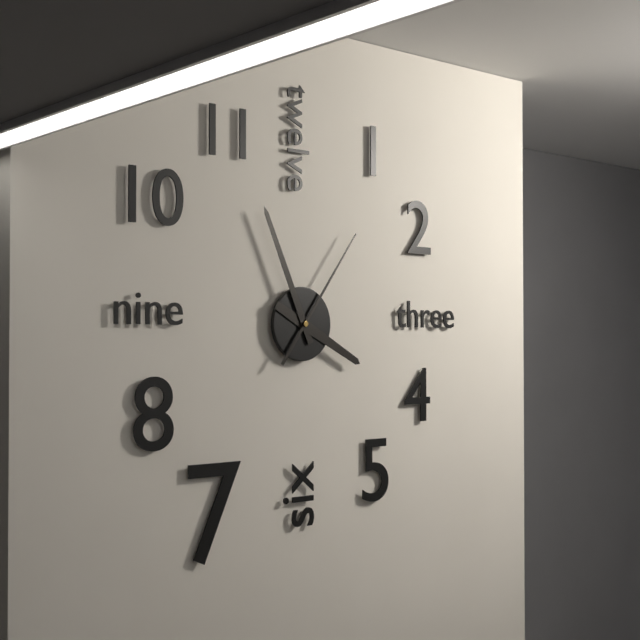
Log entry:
3h56m06s
